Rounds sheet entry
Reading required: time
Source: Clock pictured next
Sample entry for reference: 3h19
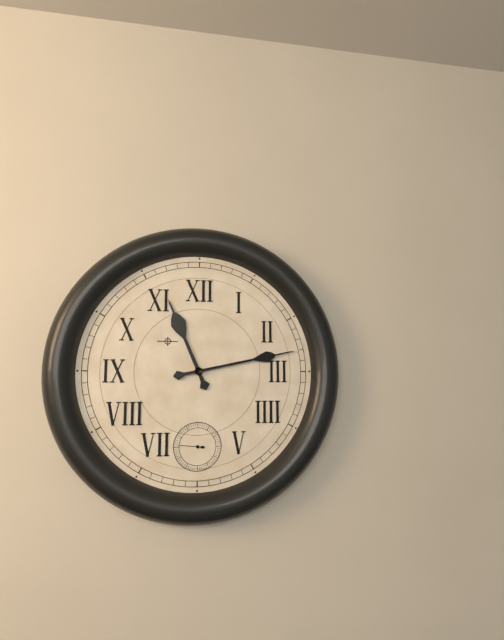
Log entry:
11h13
